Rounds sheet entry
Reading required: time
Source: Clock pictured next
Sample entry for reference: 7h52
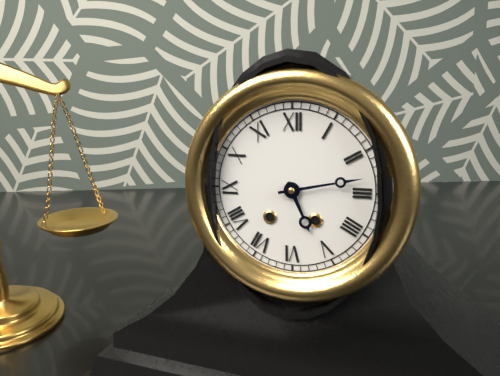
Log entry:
5h13
